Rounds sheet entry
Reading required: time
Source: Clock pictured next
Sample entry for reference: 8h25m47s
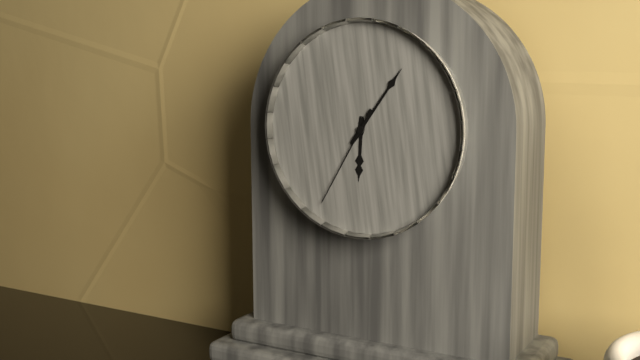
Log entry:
6h06m35s
